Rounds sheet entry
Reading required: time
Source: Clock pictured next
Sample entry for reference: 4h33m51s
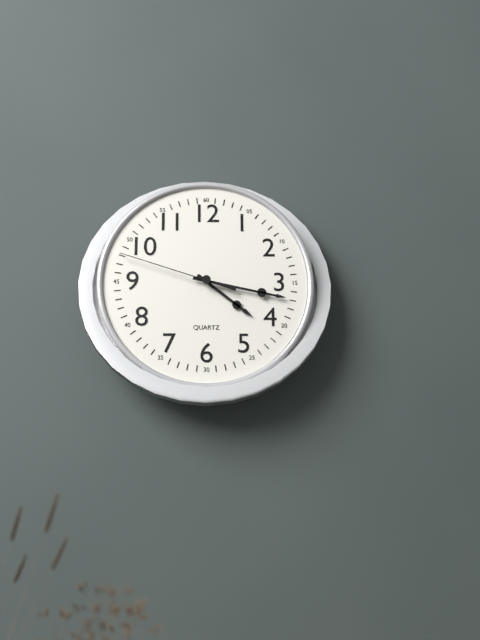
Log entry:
4h17m48s
